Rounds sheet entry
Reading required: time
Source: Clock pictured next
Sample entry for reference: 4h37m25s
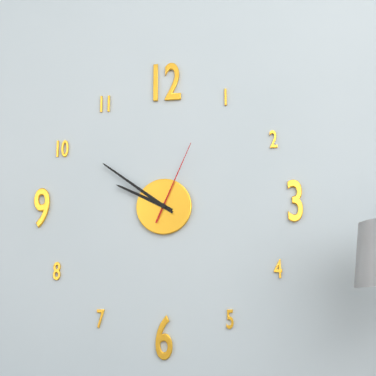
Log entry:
9h51m04s
